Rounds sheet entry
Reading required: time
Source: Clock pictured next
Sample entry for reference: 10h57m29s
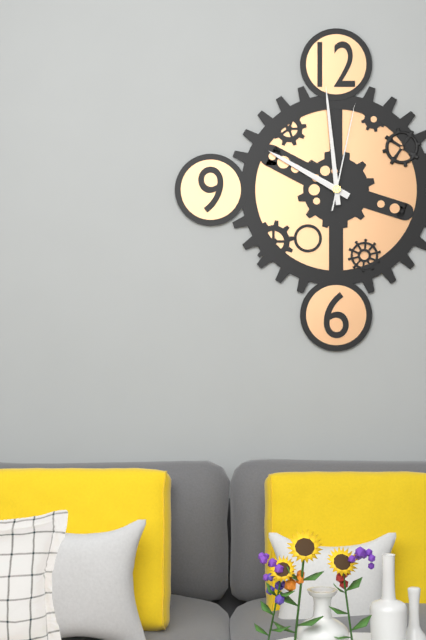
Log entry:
9h59m02s
